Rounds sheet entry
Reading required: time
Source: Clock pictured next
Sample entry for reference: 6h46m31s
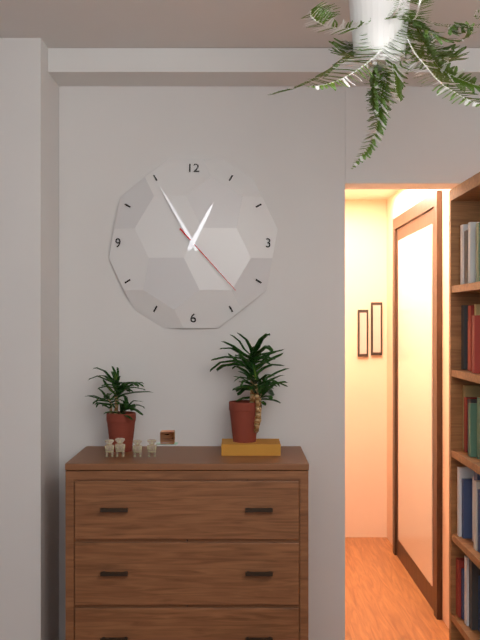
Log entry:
12h55m23s
